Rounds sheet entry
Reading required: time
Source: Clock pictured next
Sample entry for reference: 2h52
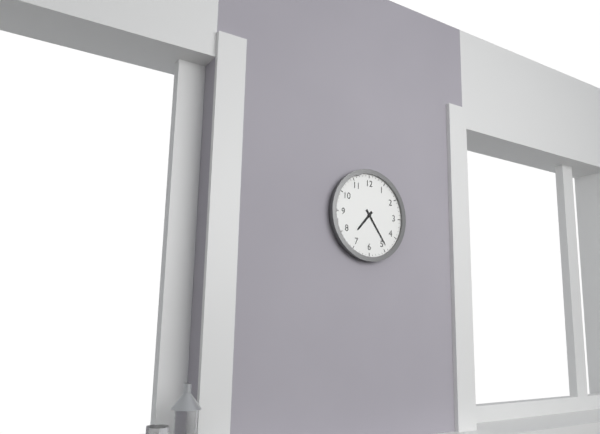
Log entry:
7h24
